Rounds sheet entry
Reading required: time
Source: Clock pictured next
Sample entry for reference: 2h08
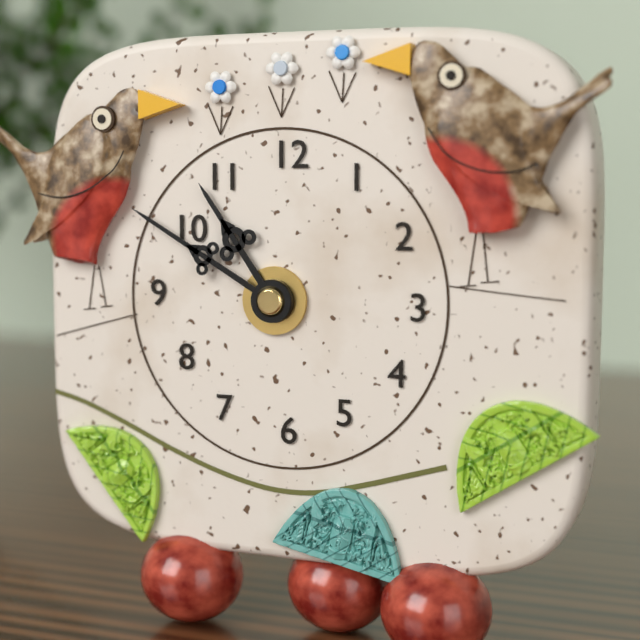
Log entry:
10h50
